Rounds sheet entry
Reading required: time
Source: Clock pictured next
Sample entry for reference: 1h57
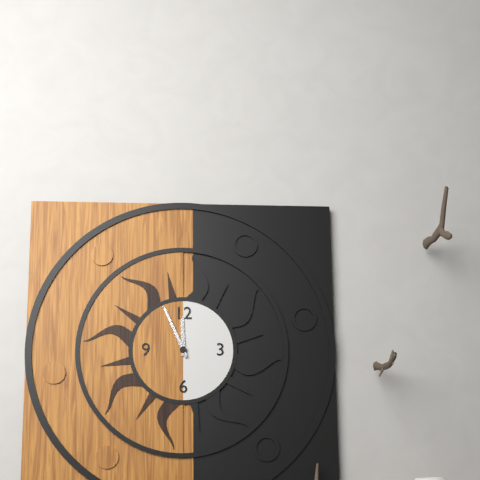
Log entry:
11h56
